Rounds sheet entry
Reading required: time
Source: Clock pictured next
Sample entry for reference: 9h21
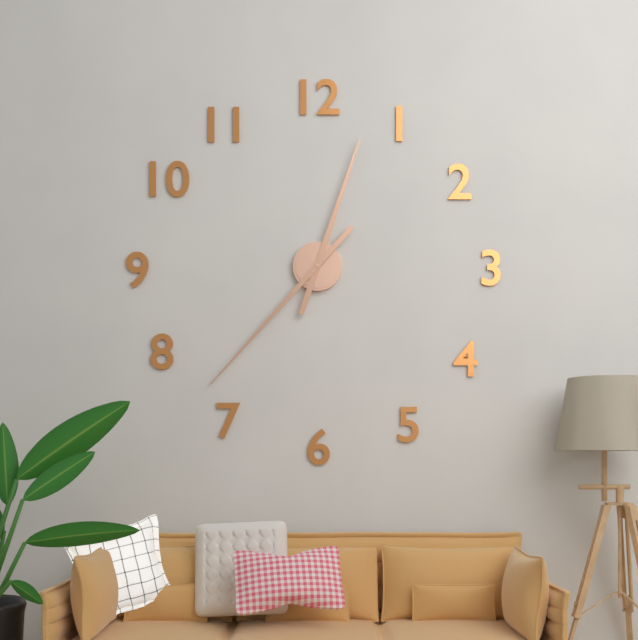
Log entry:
12h37
